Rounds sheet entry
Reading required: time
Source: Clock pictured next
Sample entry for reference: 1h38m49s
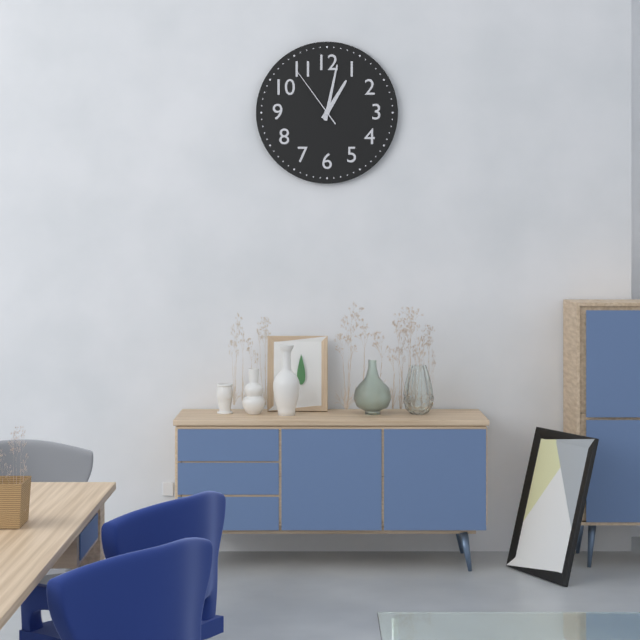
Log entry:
1h02m54s
